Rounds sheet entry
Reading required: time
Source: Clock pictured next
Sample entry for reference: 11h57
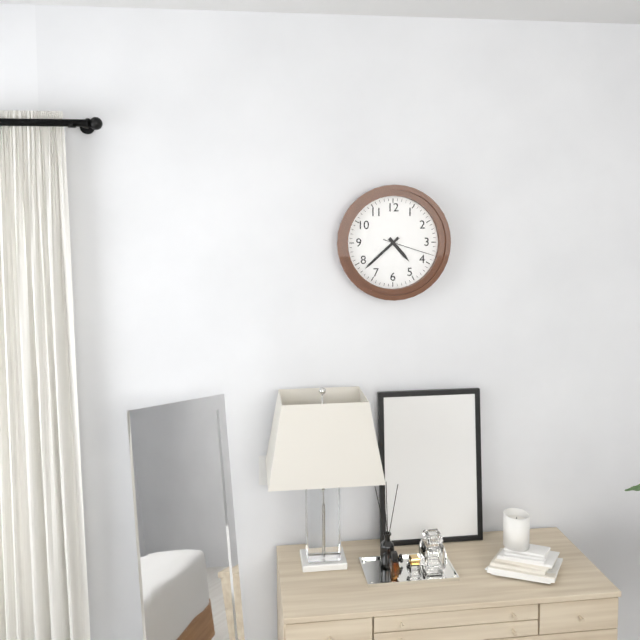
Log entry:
4h38
